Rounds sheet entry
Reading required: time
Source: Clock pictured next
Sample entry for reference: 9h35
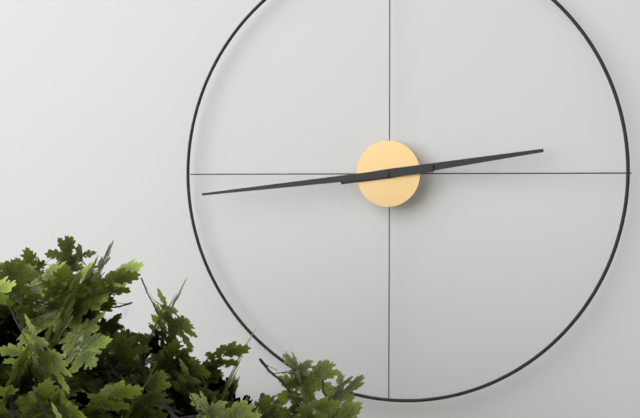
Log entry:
2h44
